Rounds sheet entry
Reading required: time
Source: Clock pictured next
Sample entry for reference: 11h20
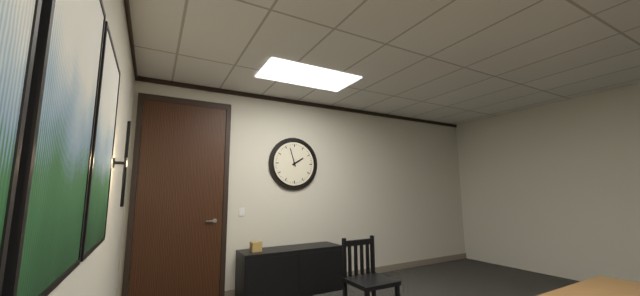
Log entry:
1h57
